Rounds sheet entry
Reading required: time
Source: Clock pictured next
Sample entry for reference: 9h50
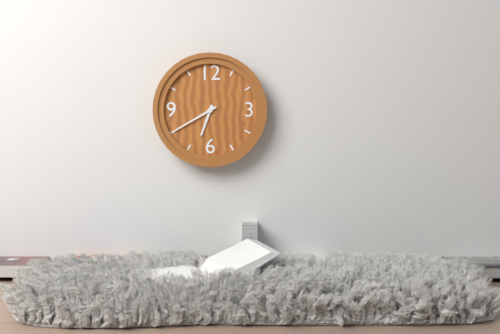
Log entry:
6h40
